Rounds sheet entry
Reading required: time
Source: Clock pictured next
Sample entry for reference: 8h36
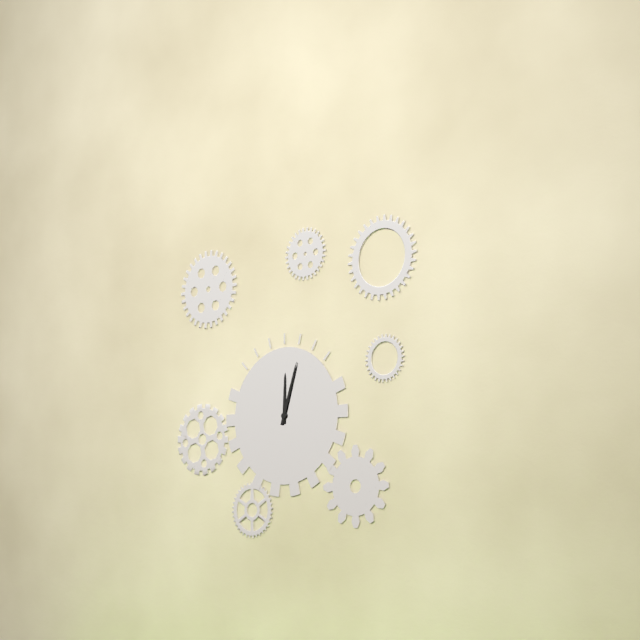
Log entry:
12h03
